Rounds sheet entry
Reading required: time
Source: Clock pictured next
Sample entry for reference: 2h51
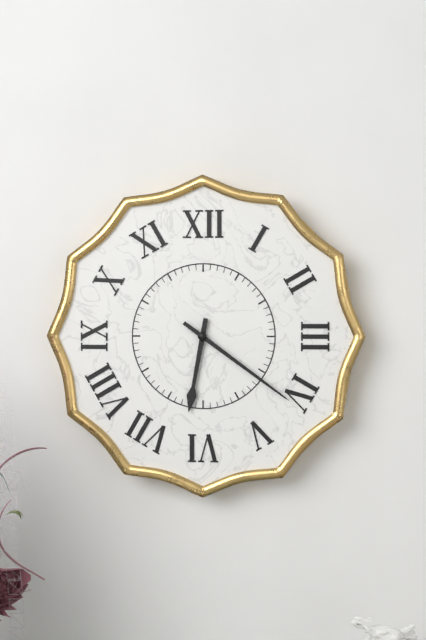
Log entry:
6h21
